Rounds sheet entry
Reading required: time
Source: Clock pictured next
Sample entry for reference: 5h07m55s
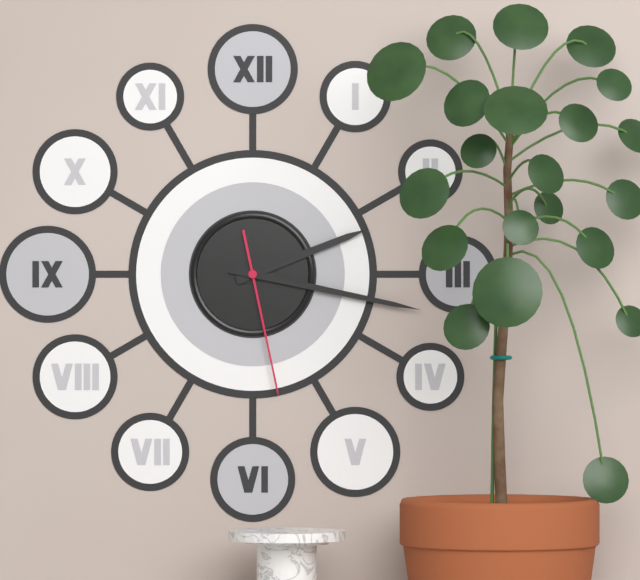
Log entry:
2h17m28s
